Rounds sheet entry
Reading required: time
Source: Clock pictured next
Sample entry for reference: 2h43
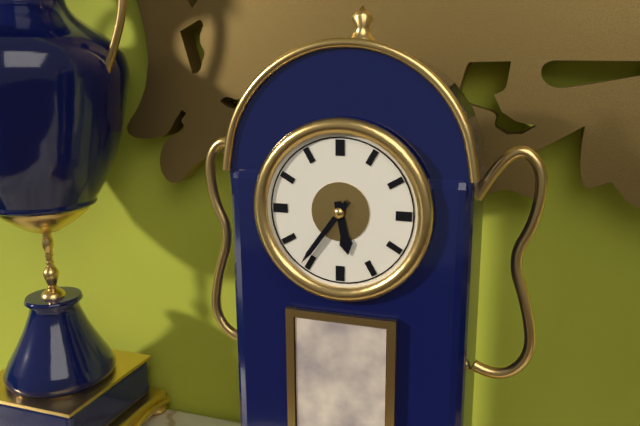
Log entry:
5h36
